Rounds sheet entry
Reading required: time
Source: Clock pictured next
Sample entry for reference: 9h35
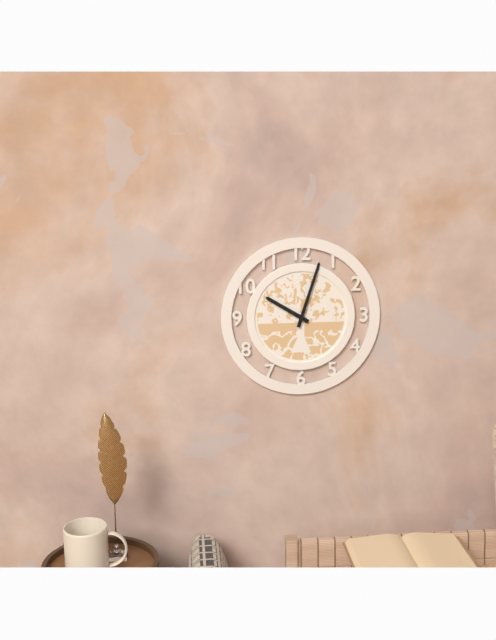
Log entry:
10h03
